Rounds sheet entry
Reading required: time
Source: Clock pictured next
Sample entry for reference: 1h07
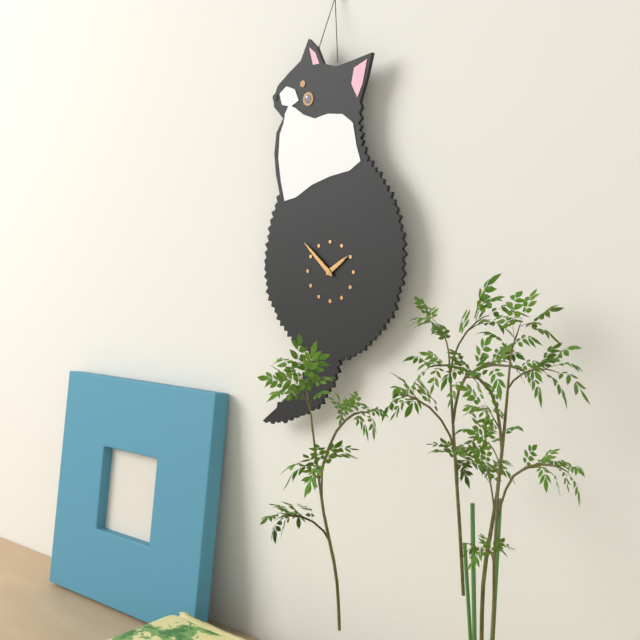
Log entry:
1h52
